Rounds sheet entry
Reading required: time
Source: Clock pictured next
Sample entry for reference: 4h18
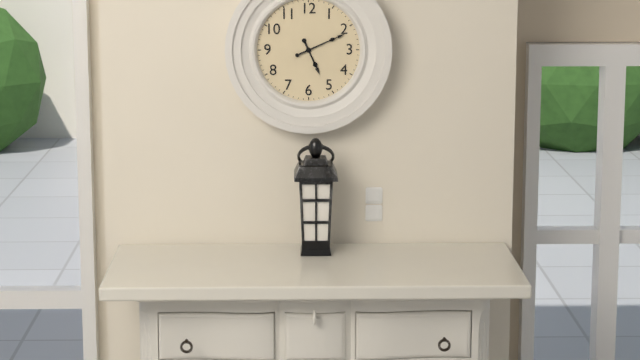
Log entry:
5h11
